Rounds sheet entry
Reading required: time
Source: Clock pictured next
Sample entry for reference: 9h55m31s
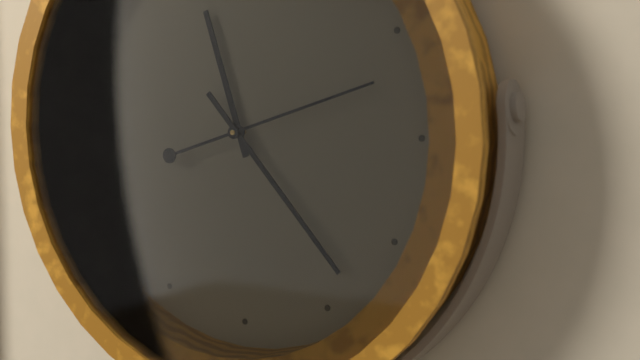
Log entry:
11h23m12s
